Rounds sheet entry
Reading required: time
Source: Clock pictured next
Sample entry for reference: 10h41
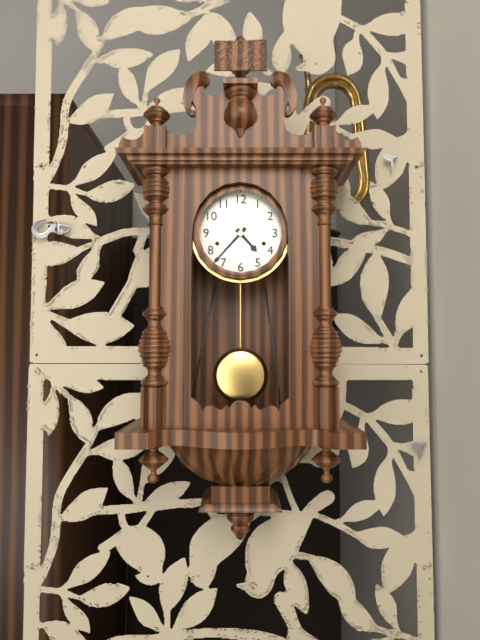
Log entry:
4h37
